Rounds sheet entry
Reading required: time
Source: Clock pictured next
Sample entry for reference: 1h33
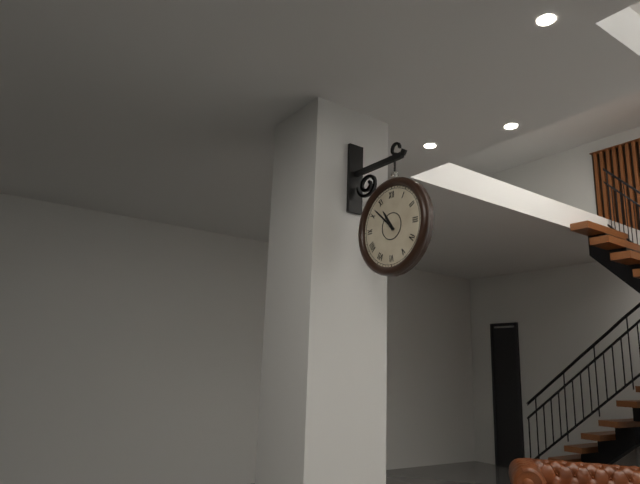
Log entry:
10h52
